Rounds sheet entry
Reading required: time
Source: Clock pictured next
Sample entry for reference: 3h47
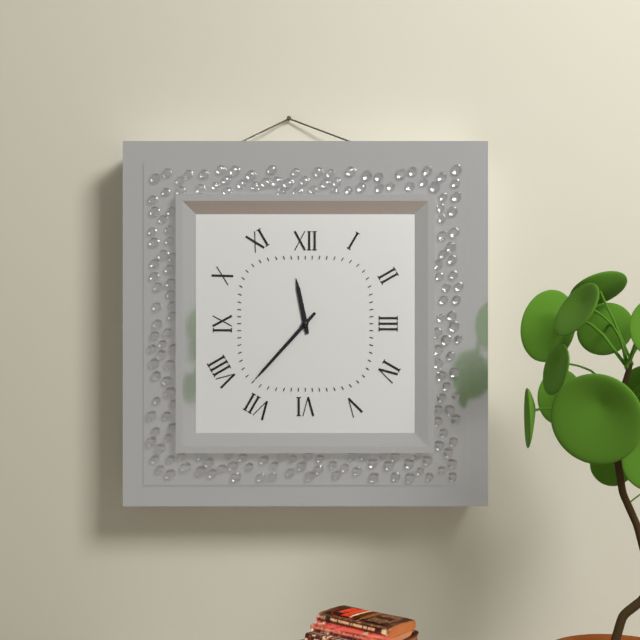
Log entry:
11h37
